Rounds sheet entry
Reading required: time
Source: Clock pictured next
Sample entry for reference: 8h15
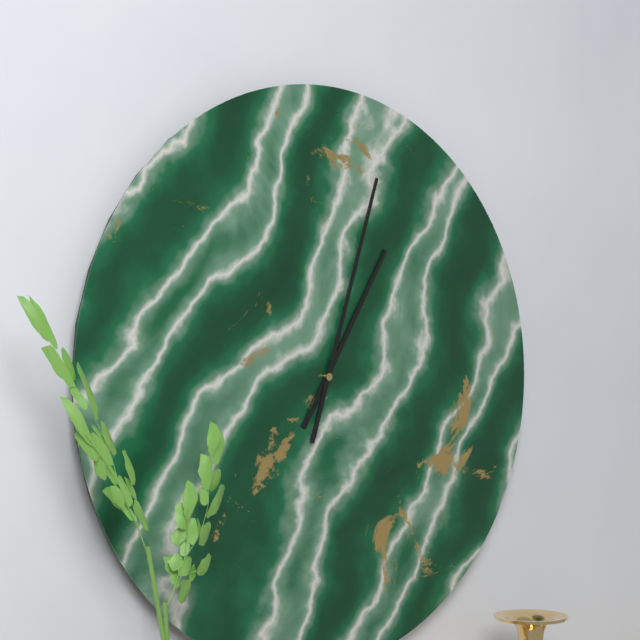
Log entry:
1h03
